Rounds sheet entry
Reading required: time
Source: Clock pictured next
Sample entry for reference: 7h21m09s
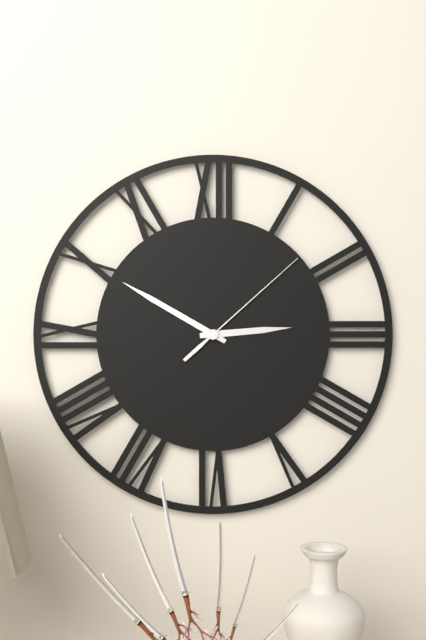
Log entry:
2h50m08s
